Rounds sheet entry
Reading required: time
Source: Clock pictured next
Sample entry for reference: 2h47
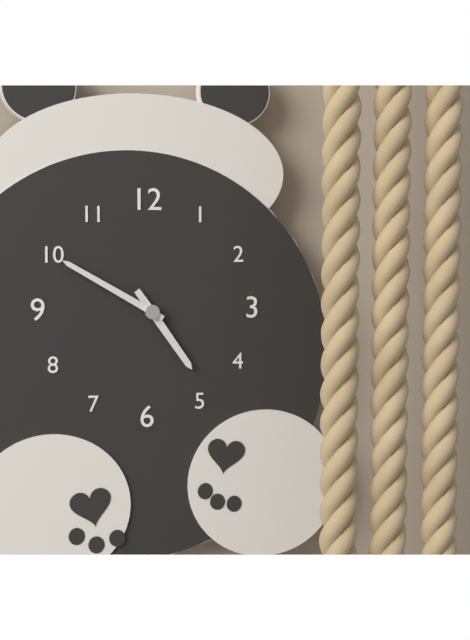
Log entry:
4h50
